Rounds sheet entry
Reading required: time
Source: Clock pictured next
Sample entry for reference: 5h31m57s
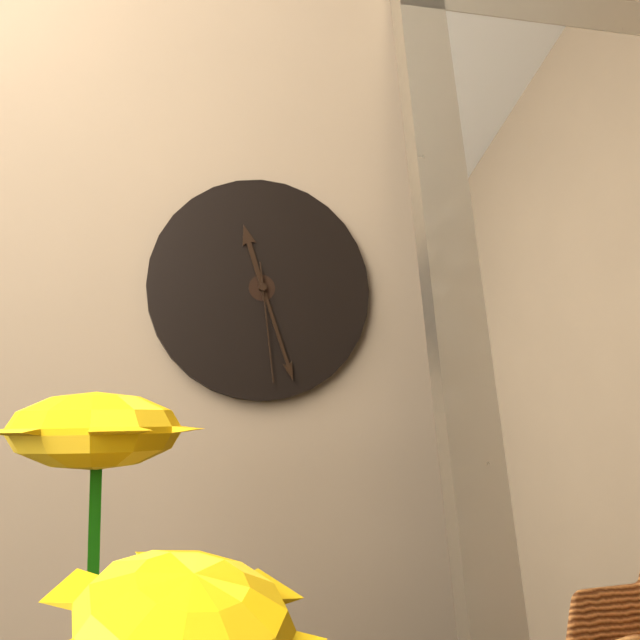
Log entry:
11h27m29s
